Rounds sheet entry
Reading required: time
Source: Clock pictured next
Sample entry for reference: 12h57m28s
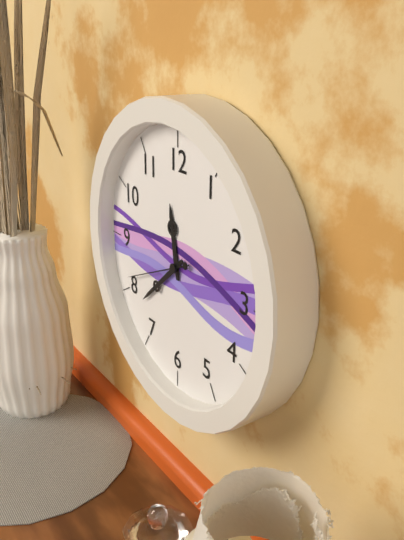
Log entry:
11h38m41s
